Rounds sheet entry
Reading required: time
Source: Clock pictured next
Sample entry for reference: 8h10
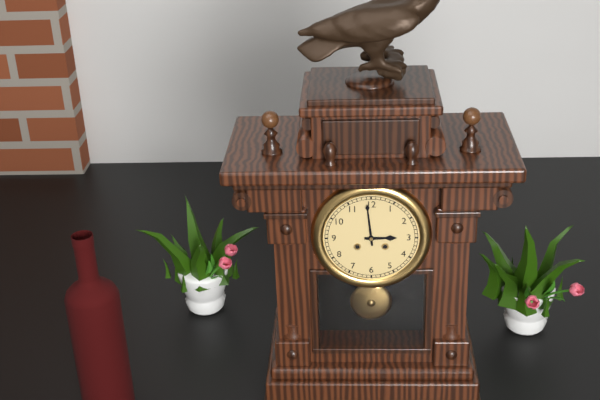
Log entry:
2h59
